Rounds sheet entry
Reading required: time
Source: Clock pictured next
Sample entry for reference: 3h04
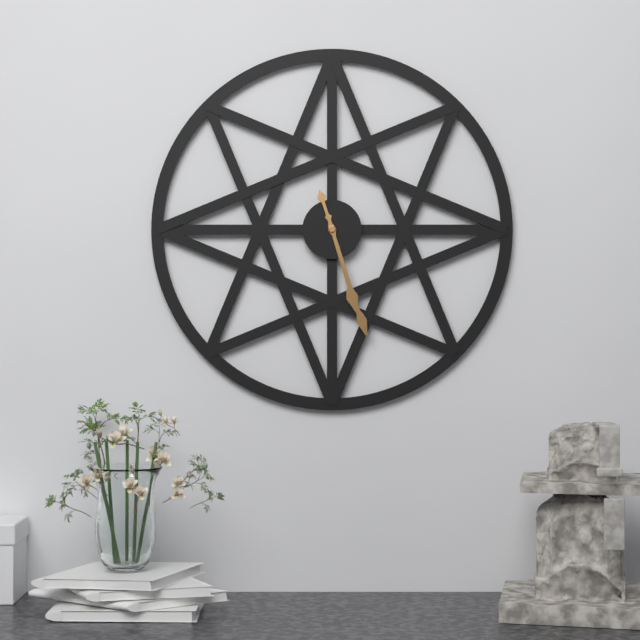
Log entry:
5h27
